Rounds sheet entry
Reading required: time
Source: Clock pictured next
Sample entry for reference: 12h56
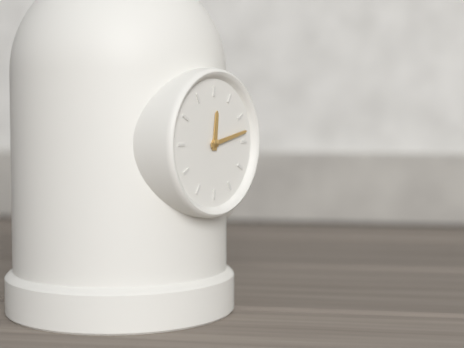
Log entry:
12h13
